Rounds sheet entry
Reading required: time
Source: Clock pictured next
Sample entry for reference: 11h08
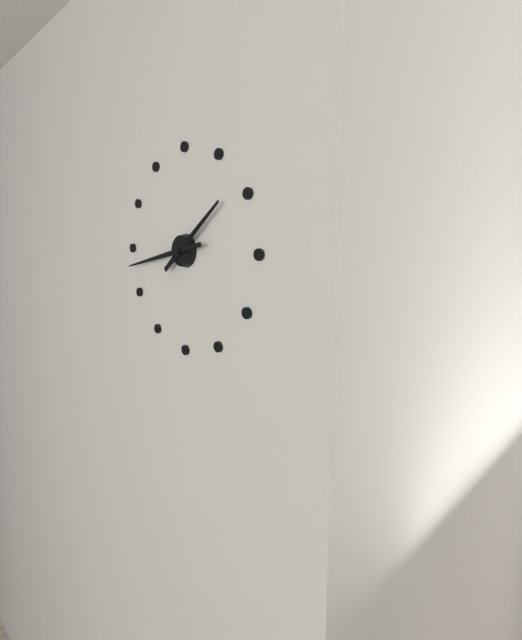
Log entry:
1h43
